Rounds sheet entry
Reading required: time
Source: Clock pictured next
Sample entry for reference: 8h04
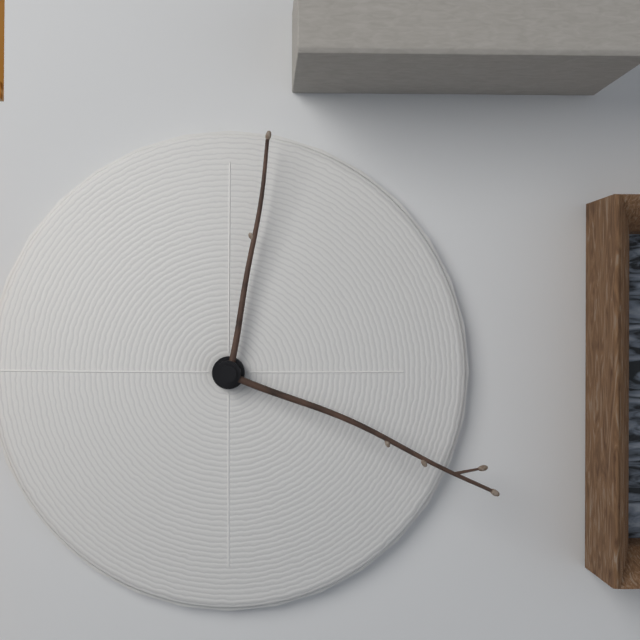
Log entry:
12h19
